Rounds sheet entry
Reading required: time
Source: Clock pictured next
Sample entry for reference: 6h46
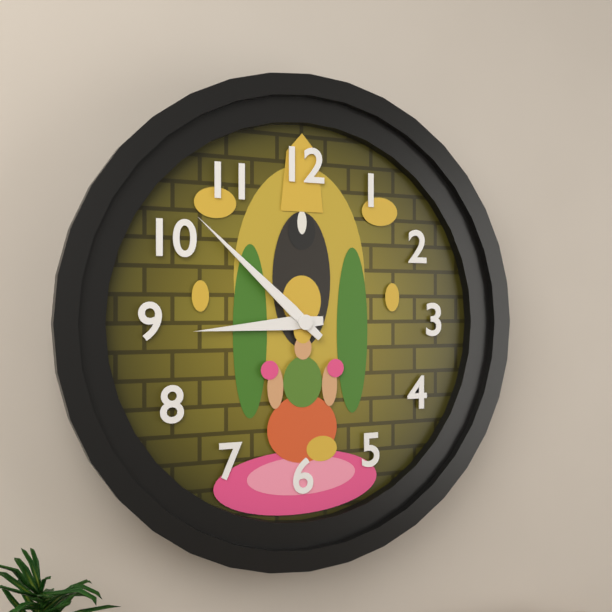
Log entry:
8h52
